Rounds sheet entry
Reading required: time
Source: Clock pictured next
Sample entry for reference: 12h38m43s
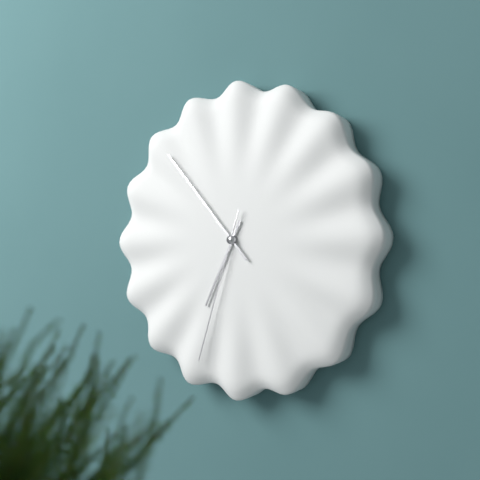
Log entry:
6h53m33s
